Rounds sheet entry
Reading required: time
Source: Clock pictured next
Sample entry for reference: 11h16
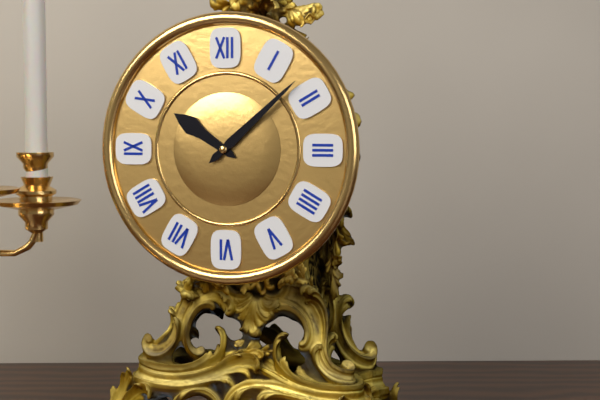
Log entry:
10h08
